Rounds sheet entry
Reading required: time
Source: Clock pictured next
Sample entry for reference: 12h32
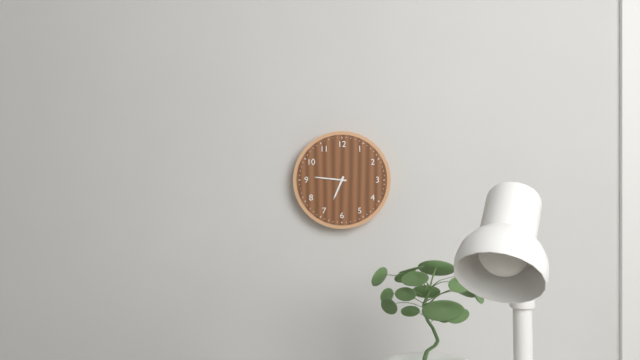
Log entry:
6h46
